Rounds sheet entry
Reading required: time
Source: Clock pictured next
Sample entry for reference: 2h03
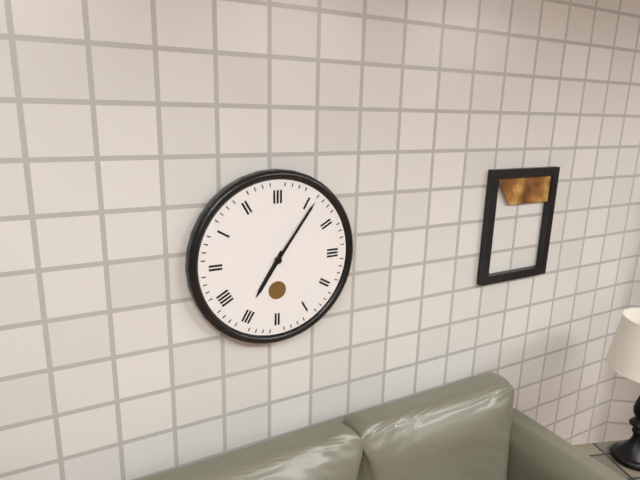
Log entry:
7h06
